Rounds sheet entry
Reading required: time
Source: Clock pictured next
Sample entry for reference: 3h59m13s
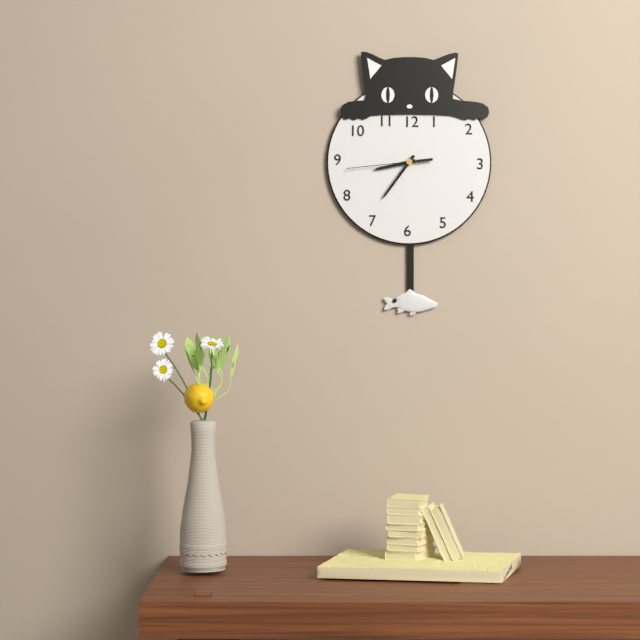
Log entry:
8h36m44s
